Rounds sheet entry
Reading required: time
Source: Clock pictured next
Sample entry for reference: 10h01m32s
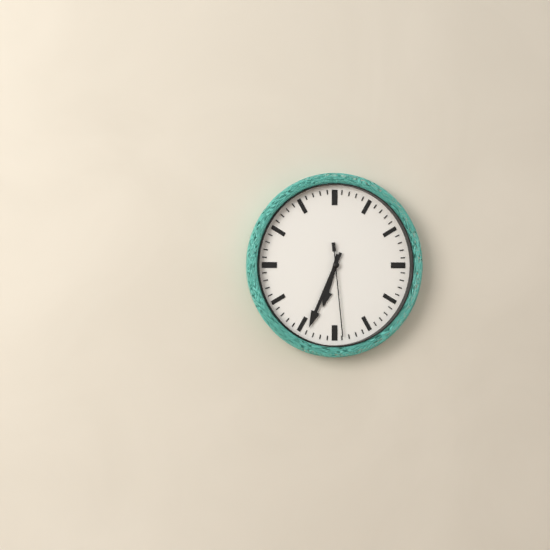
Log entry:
6h34m29s
